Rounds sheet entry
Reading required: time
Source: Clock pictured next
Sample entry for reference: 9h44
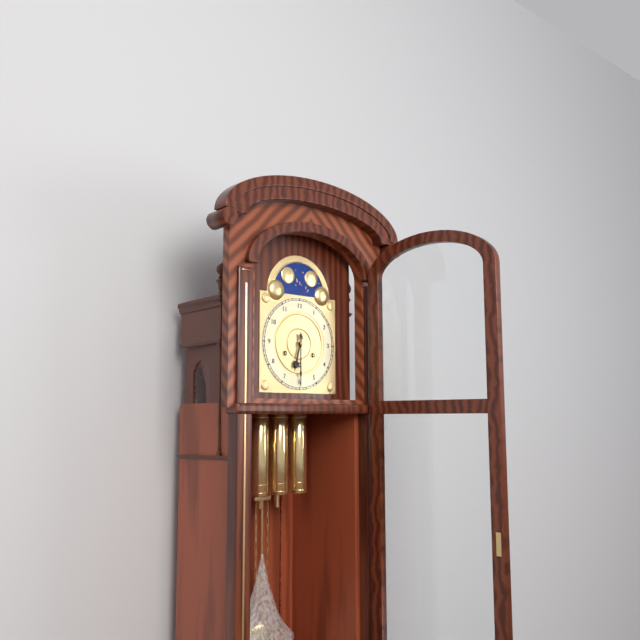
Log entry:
6h30
